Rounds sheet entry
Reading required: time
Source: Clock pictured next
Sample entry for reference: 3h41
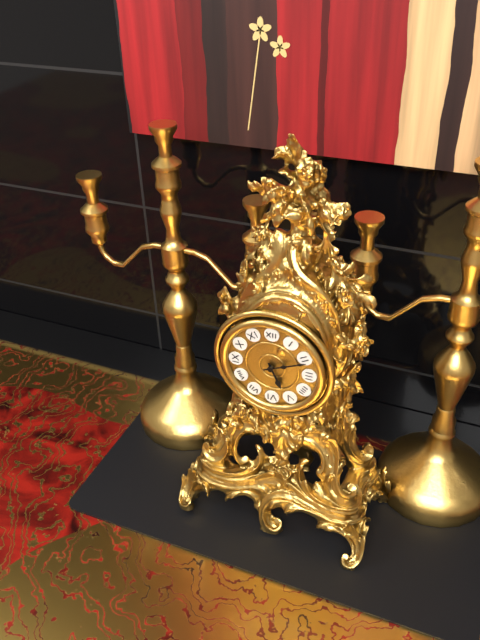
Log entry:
5h11
